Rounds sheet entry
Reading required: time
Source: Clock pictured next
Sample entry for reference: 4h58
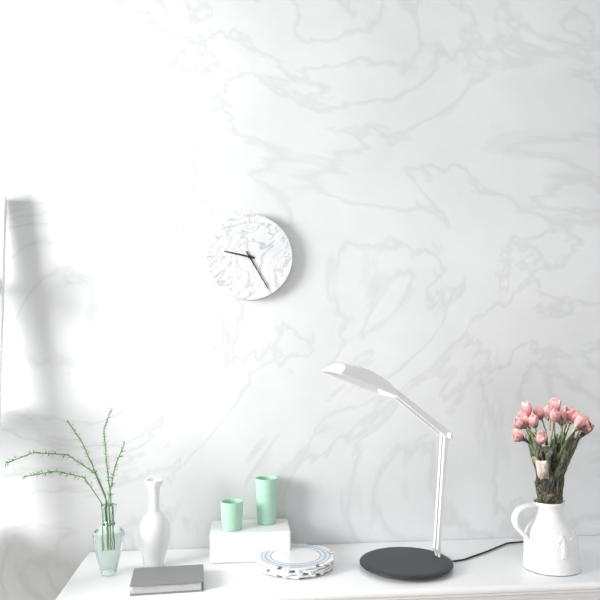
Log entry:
9h25
